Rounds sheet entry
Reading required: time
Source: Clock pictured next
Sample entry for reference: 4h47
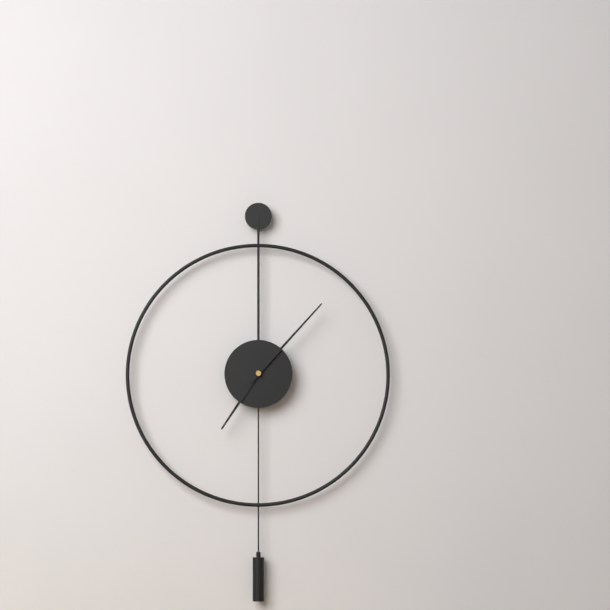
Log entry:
7h07
